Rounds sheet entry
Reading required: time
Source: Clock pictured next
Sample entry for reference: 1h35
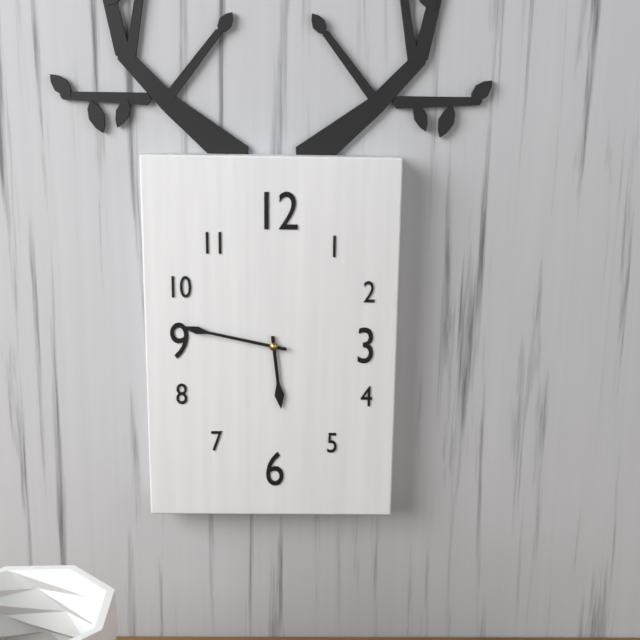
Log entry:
5h47
